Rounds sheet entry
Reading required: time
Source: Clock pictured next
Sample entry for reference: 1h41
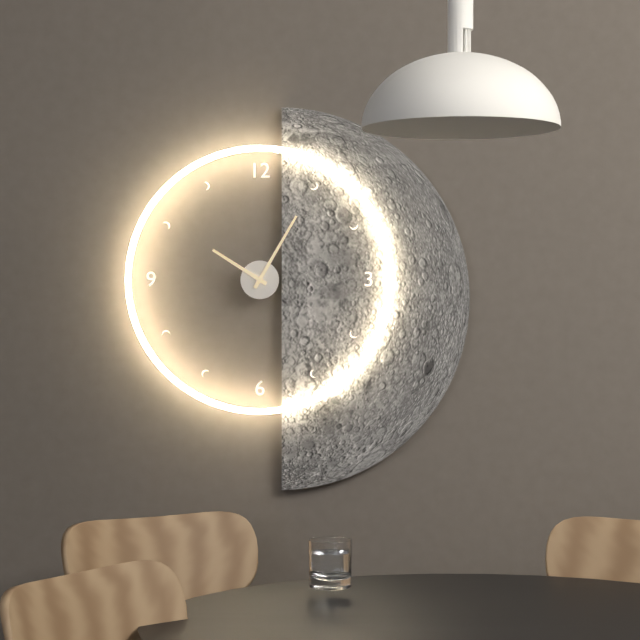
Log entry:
10h05
